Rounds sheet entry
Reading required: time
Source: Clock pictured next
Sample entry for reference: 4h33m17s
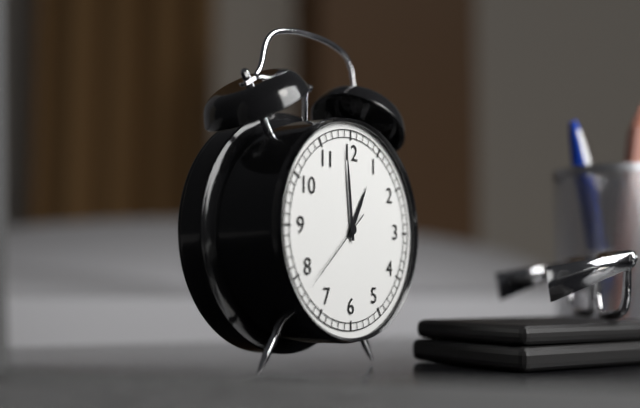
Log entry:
12h59m38s
